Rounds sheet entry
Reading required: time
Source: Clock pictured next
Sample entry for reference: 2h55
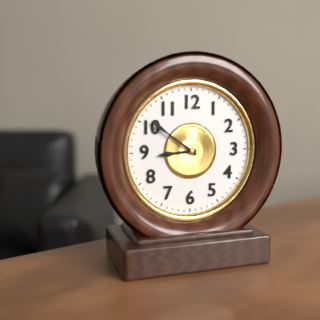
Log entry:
8h51
